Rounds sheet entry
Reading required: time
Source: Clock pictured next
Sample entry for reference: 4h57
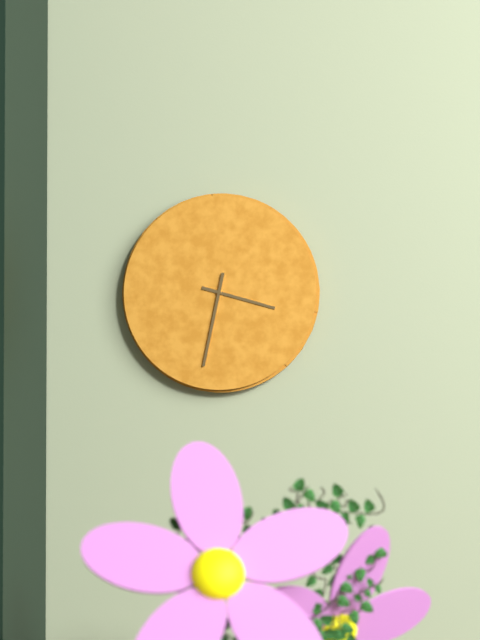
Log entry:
3h32
